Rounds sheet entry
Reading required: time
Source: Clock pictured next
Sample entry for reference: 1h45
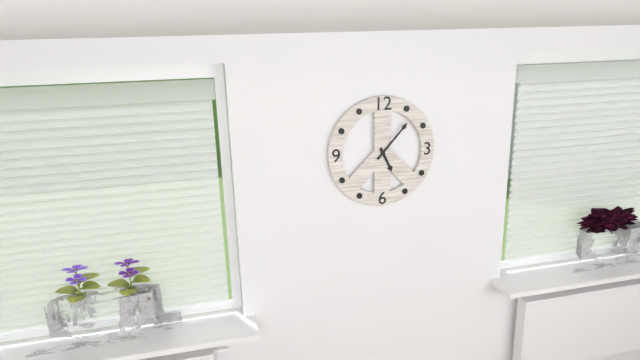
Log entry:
5h07
